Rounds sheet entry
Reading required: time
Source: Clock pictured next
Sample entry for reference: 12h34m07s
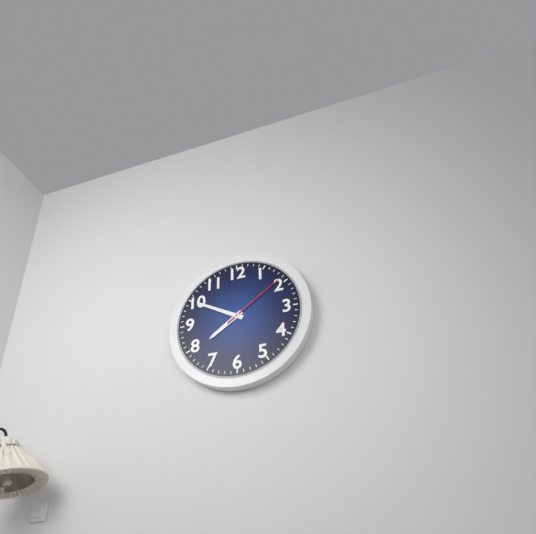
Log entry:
7h50m09s
